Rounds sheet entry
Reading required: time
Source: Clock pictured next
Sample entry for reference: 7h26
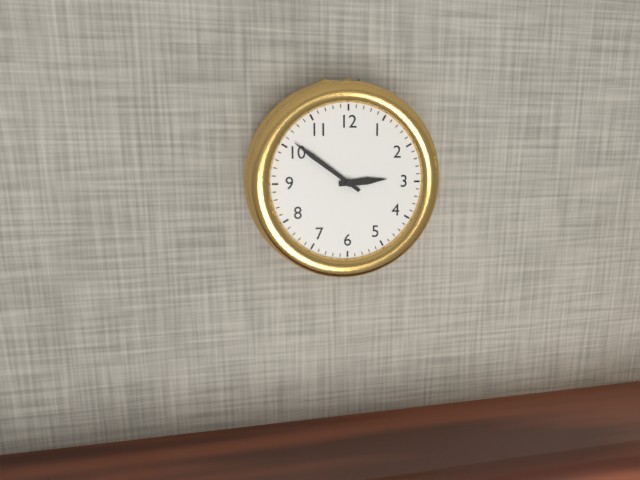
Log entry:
2h51
